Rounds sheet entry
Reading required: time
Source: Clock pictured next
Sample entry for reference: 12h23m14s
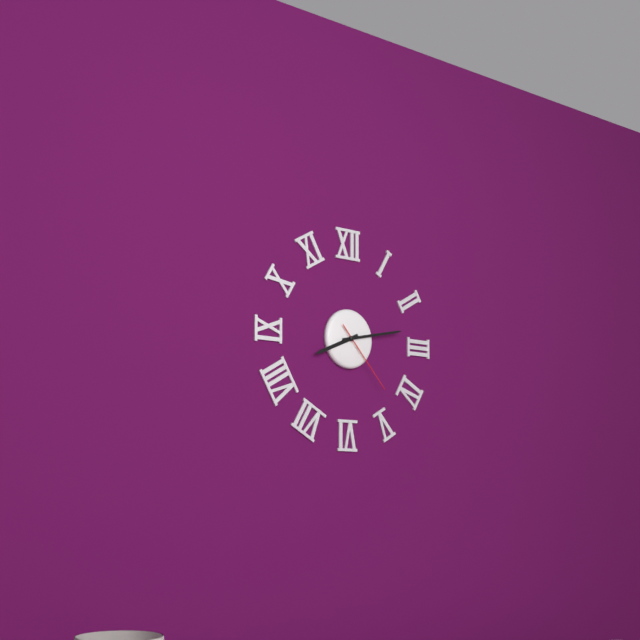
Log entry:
8h13m23s
